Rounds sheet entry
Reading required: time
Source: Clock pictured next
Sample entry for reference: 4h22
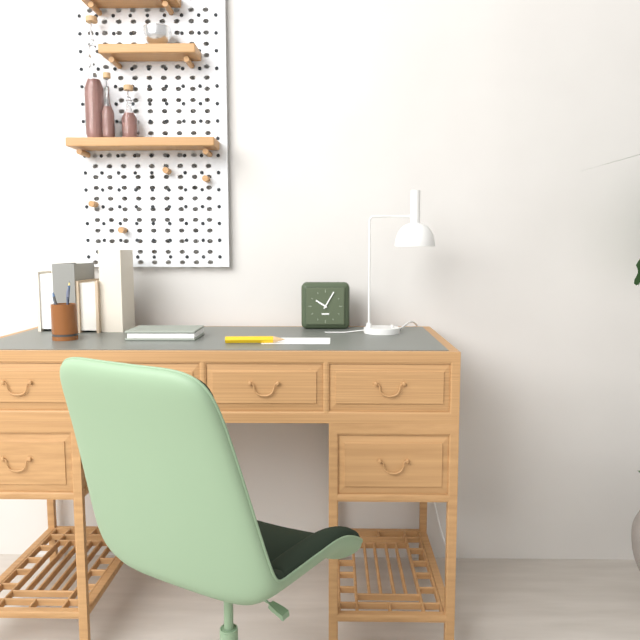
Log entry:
10h05
